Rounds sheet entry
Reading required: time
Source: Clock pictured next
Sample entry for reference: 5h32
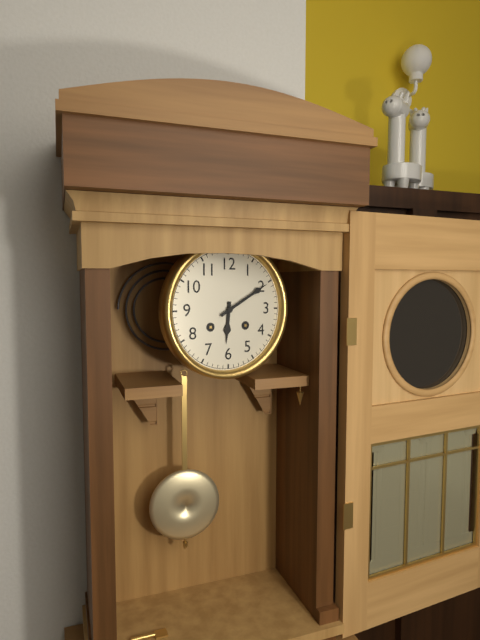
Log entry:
6h10
